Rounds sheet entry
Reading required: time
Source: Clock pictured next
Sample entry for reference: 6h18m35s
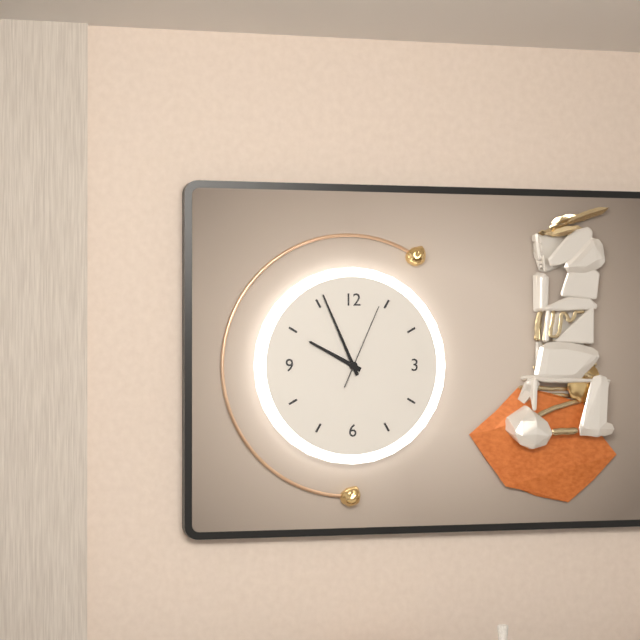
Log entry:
9h56m04s
